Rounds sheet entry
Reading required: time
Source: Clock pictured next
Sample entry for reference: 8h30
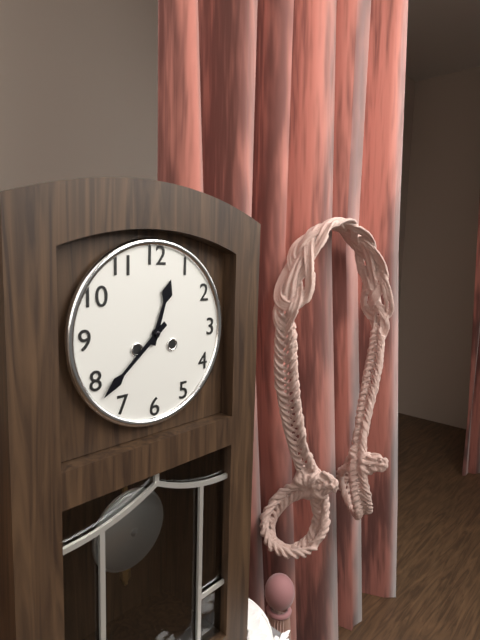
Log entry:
12h38
